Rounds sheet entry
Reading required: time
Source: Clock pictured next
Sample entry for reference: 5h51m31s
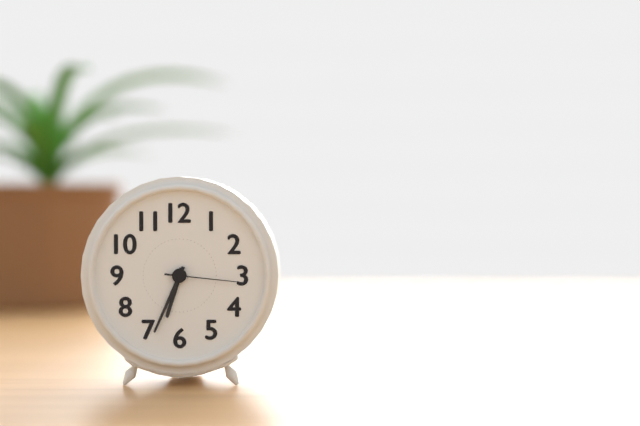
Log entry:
6h34m16s
